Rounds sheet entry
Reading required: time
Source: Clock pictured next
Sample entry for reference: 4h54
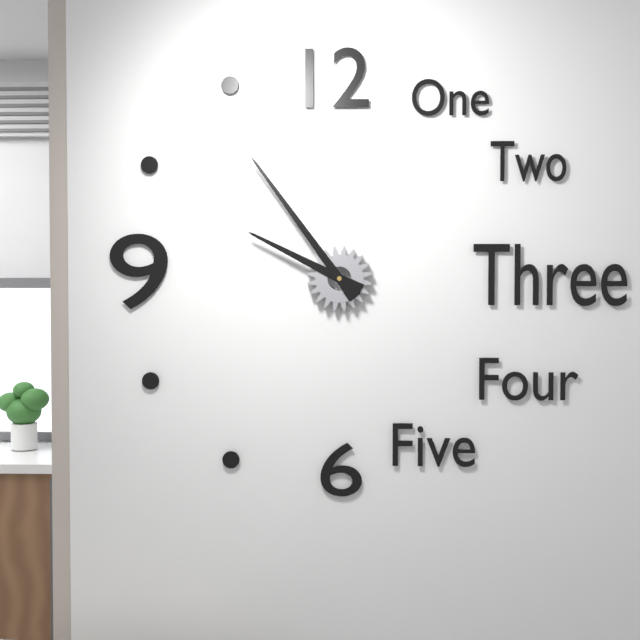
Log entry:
9h54
